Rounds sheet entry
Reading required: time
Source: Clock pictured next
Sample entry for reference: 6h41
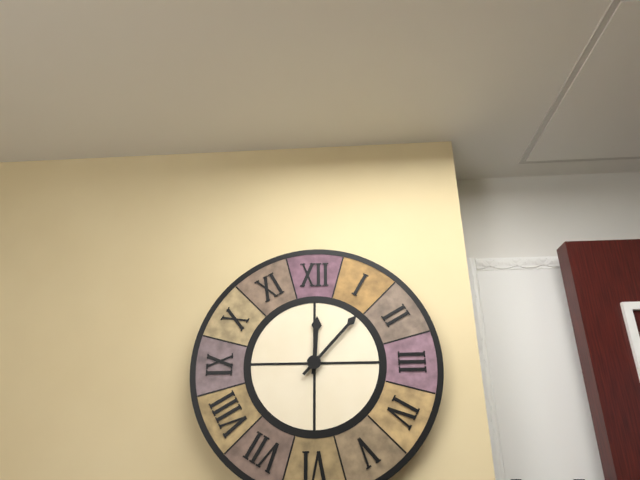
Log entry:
12h07
